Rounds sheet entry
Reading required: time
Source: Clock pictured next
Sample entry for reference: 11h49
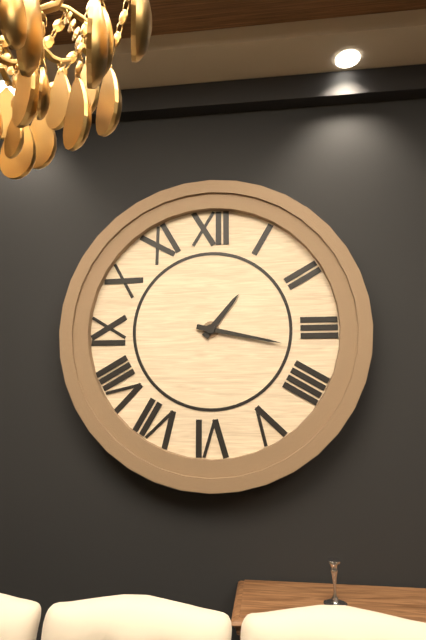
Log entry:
1h17
